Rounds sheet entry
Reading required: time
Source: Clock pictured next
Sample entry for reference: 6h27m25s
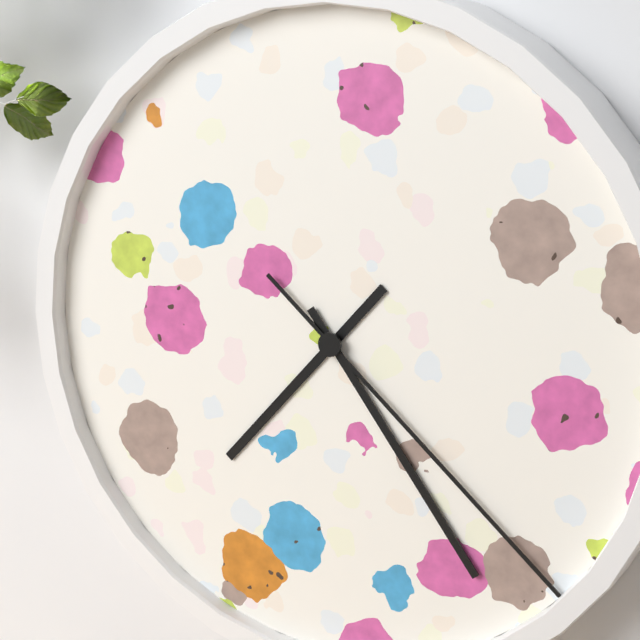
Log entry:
7h24m22s
